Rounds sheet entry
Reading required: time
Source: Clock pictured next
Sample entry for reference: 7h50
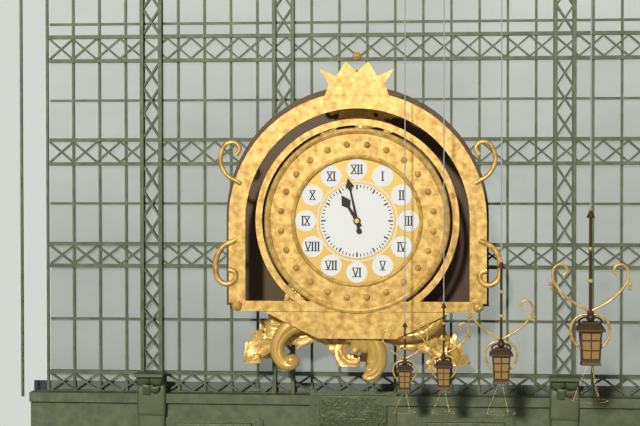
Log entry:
10h58
